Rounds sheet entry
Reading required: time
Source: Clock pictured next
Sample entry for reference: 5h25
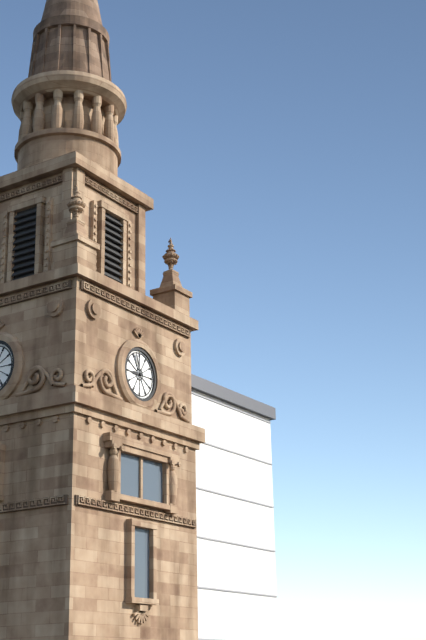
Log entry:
8h57
